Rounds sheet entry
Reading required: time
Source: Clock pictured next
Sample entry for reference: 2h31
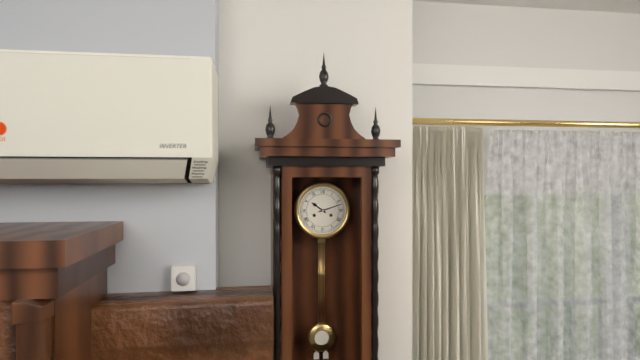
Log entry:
10h12
